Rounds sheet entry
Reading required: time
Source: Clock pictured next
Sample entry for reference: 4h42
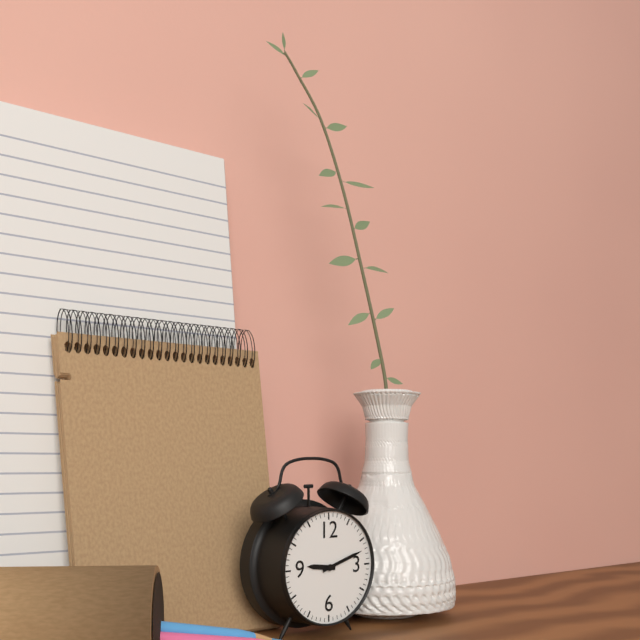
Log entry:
9h12
